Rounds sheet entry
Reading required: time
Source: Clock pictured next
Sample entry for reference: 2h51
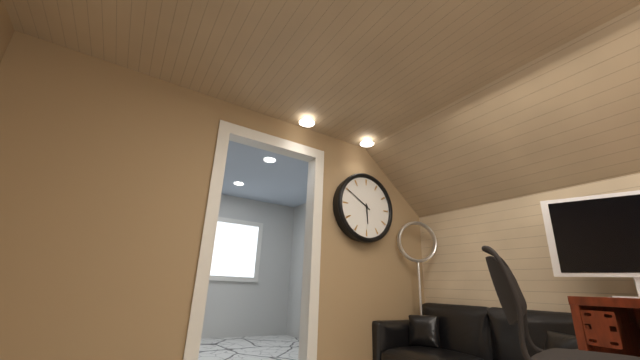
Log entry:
5h50
